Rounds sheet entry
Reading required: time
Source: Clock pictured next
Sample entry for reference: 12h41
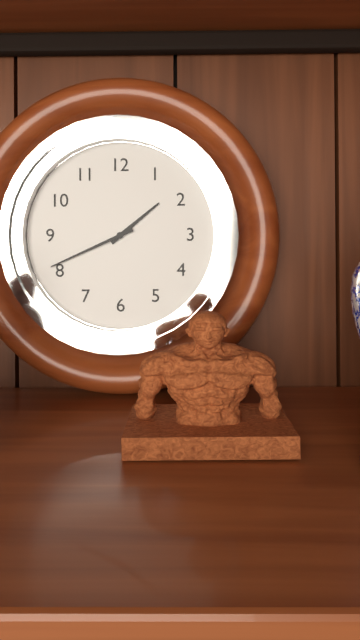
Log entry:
1h41
